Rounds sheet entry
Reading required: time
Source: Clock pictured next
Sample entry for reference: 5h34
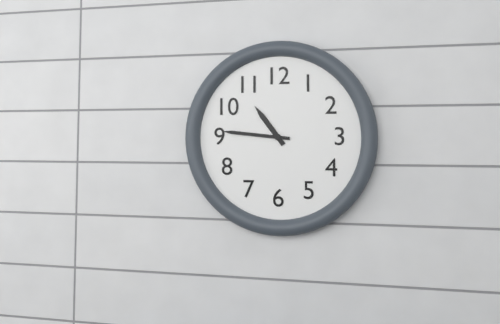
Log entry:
10h46
